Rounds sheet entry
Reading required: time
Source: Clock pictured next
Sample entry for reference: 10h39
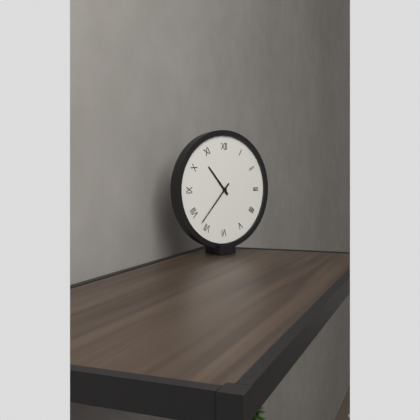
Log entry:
10h37
